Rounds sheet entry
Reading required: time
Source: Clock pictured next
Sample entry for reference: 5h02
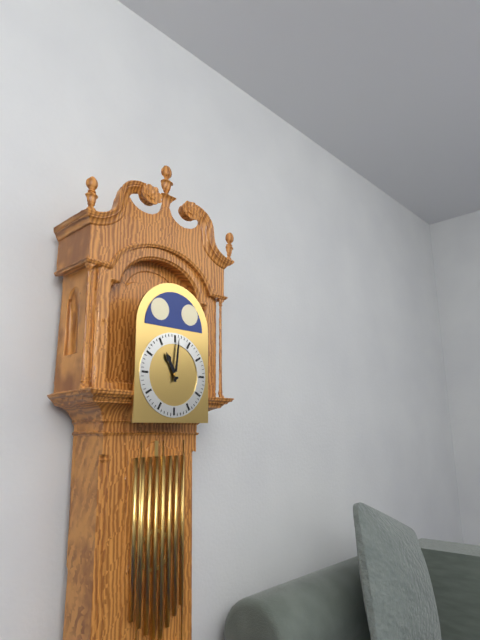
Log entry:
11h01
